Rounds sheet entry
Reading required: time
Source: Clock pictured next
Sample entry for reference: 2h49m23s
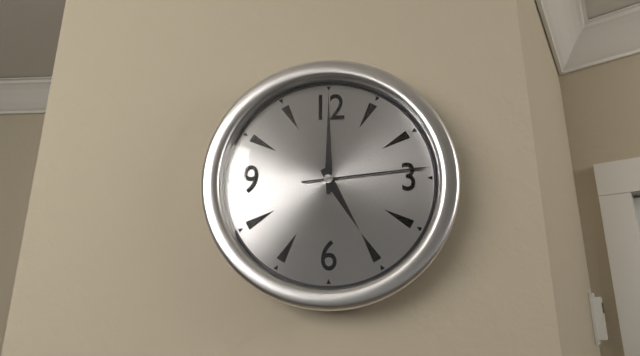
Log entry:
5h00m14s
